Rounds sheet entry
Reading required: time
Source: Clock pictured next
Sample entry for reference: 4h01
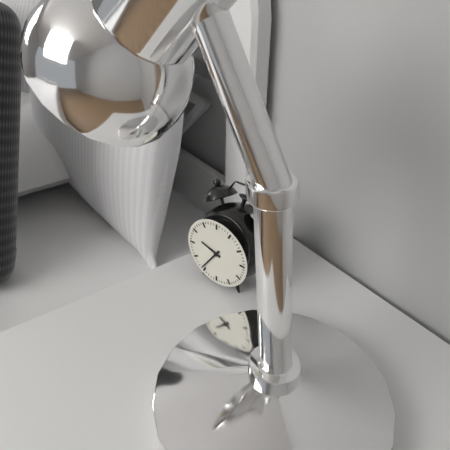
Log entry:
9h36
